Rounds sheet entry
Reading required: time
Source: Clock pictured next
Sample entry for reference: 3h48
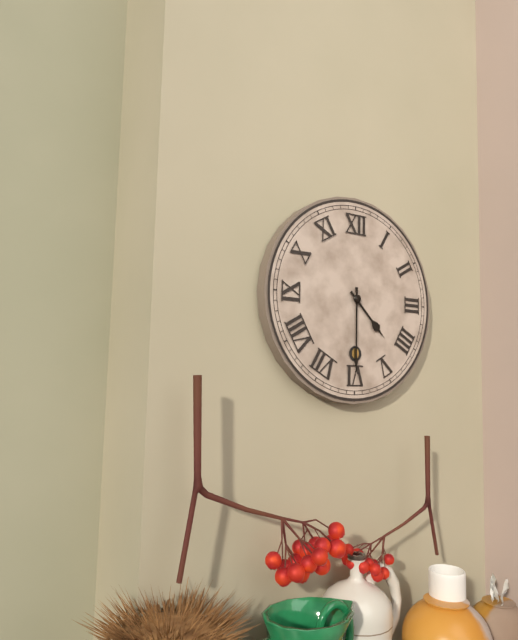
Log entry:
4h30
